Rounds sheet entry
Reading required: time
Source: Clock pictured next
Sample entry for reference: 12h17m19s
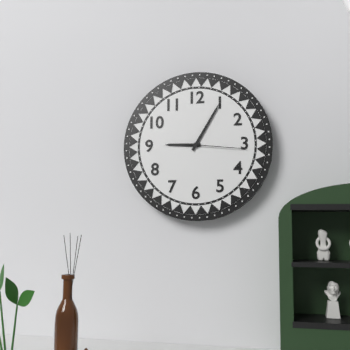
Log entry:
9h05m16s
